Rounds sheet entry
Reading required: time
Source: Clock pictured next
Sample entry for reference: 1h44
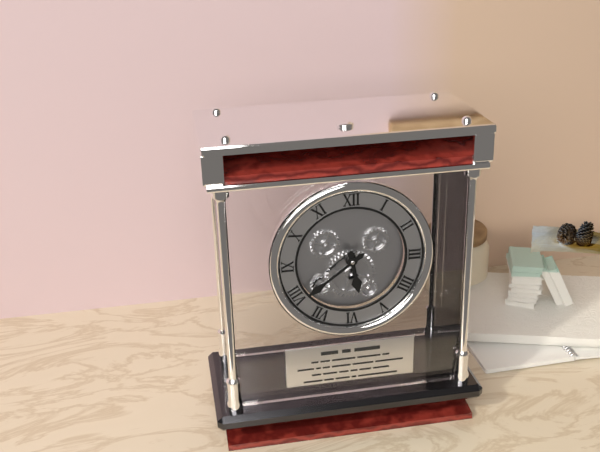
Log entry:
5h39
